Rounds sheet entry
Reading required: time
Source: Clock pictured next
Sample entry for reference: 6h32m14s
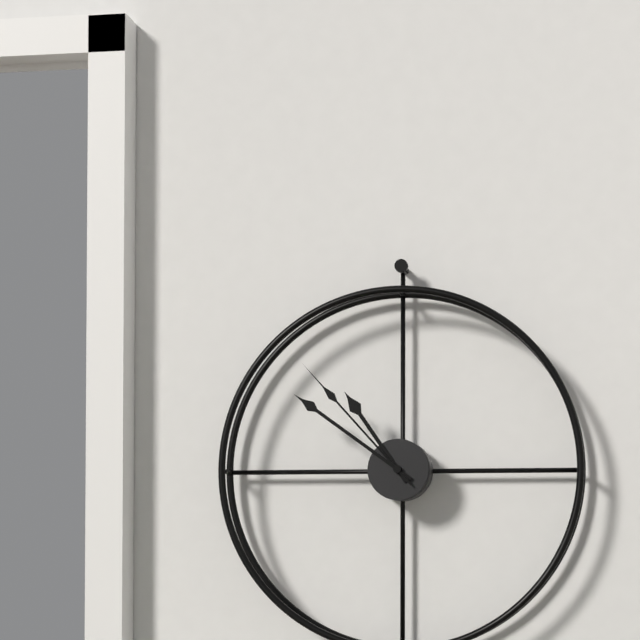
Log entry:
10h51m53s
